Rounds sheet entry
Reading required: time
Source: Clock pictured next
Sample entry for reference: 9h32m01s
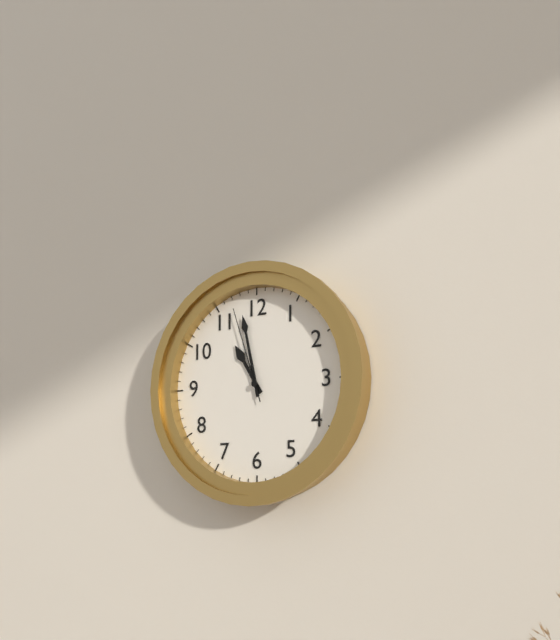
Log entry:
10h58m57s
